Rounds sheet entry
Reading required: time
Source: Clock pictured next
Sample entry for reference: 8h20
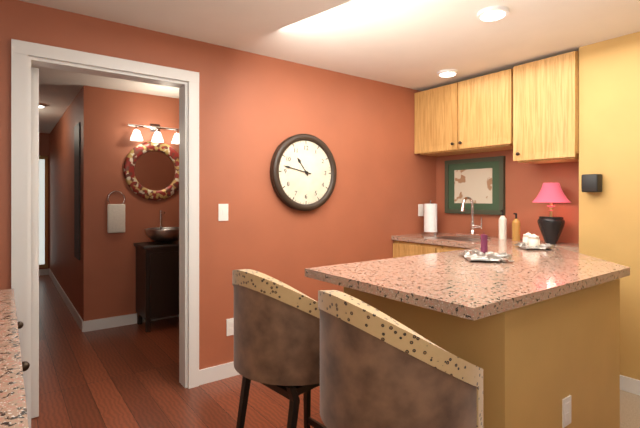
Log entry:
10h47
